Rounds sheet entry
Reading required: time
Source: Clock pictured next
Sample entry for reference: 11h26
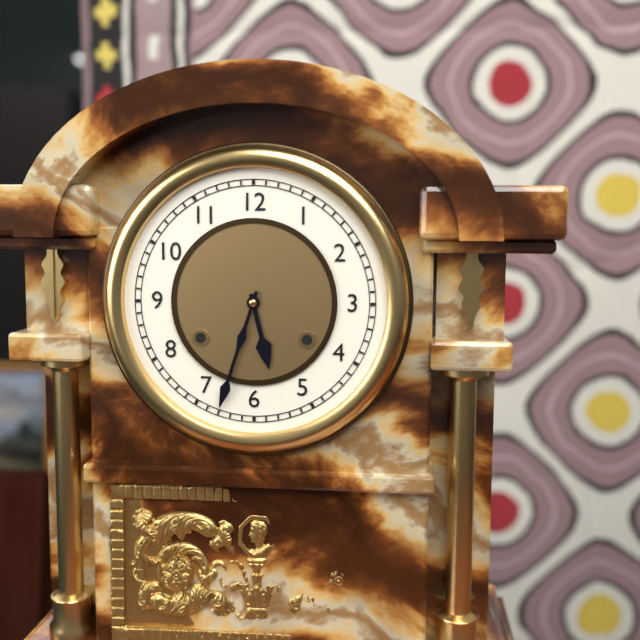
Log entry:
5h33
